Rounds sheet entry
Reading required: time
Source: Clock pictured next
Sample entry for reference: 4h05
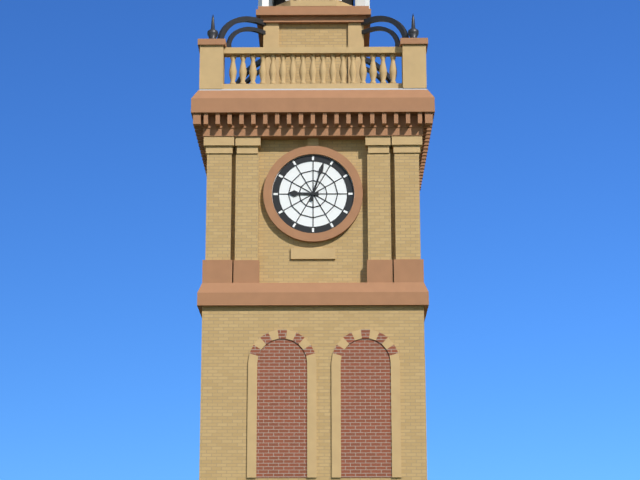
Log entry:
9h03
